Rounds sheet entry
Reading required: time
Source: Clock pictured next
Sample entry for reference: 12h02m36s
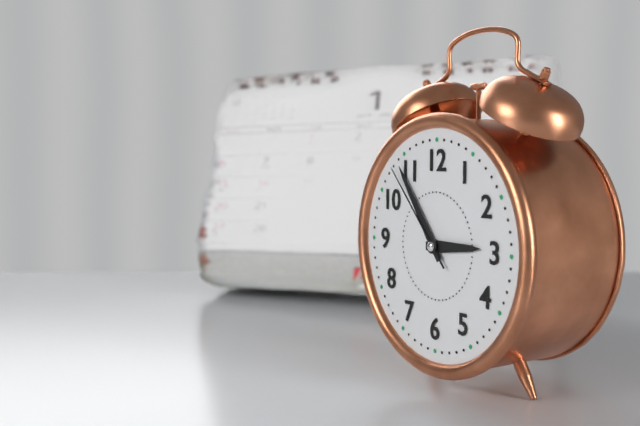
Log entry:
2h54m53s
